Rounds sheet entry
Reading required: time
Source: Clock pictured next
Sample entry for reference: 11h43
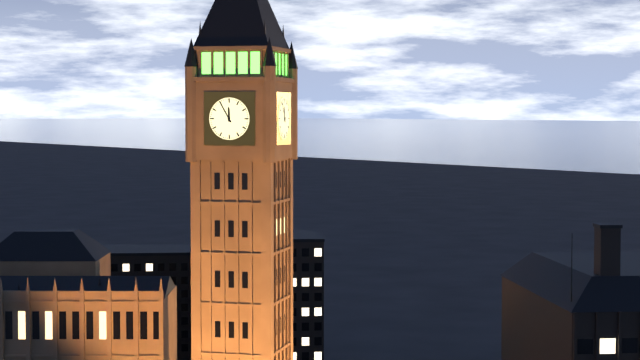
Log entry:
11h55
